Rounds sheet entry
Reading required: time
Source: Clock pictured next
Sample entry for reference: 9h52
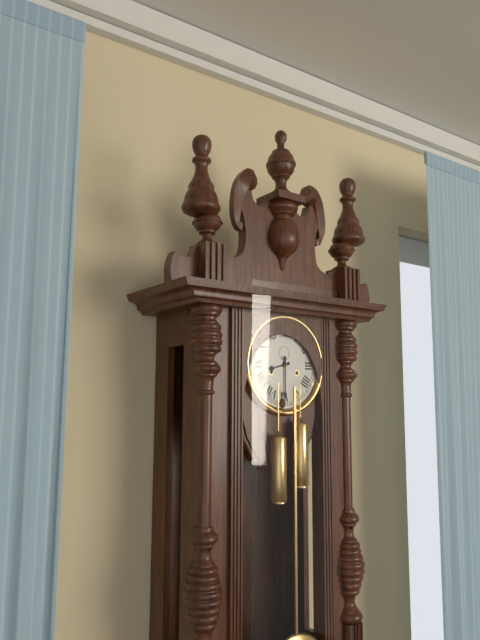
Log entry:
8h30
